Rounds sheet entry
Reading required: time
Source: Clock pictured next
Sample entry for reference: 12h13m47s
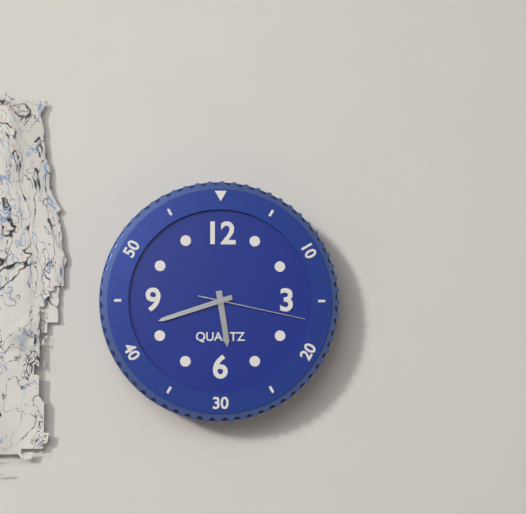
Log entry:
5h42m17s
